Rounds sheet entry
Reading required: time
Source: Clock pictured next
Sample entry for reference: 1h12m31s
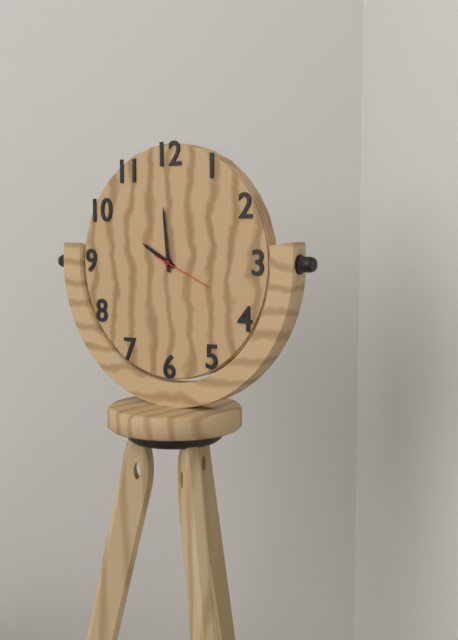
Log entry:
9h59m19s
